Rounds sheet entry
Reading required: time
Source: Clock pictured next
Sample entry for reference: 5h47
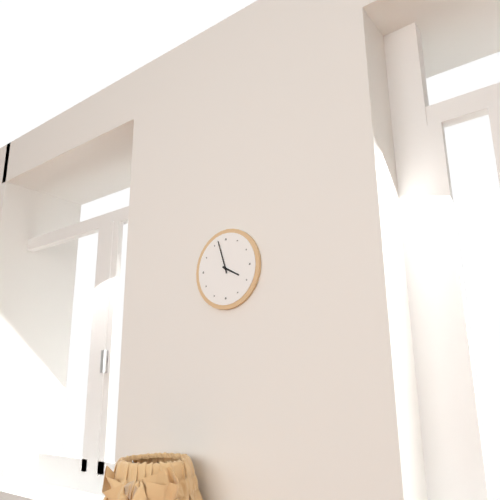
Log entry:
3h57
